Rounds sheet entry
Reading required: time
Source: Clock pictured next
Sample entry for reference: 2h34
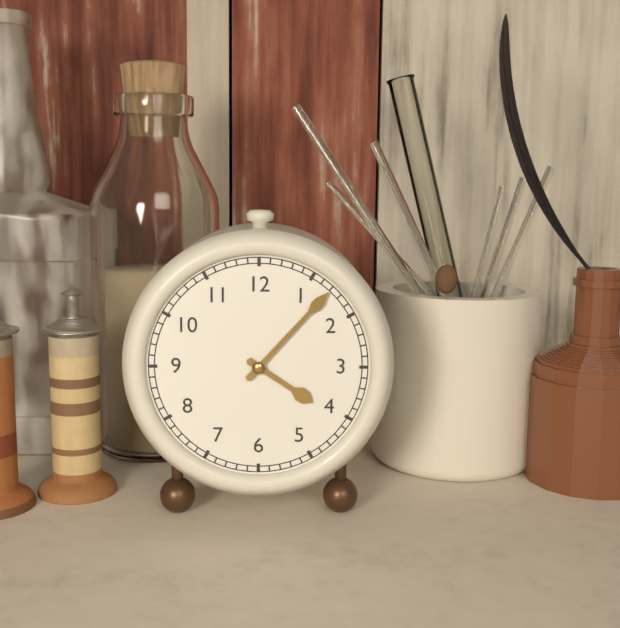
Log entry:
4h07
